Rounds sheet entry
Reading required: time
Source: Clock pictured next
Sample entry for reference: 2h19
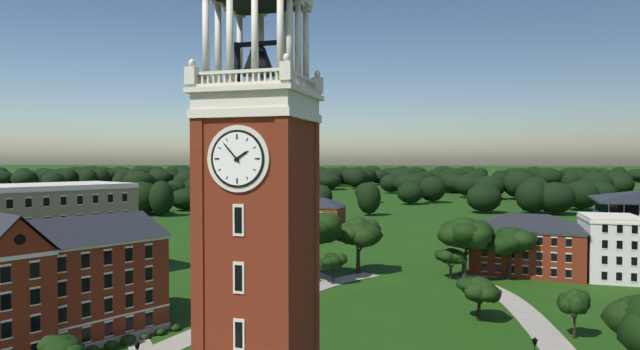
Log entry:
1h53
